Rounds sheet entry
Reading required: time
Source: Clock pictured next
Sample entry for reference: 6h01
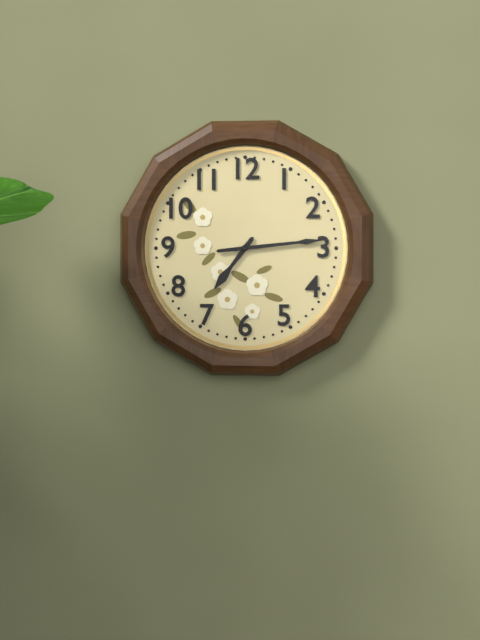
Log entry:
7h14
